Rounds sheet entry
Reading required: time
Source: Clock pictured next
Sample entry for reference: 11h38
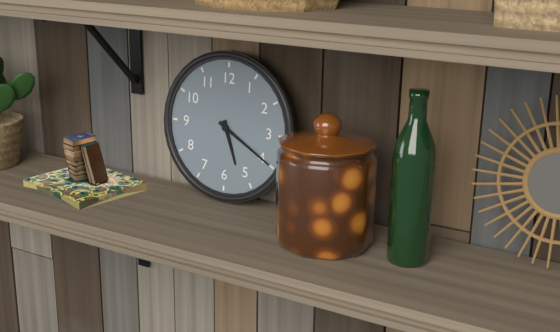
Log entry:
5h20
